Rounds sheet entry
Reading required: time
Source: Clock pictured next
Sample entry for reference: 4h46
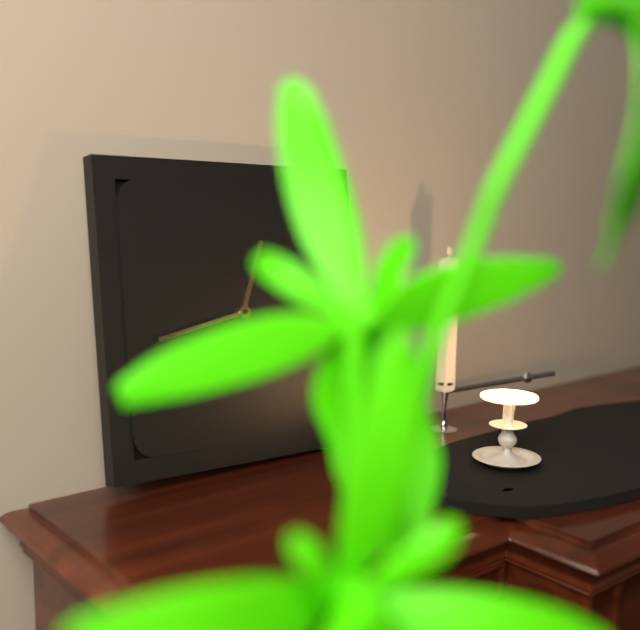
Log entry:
12h43
